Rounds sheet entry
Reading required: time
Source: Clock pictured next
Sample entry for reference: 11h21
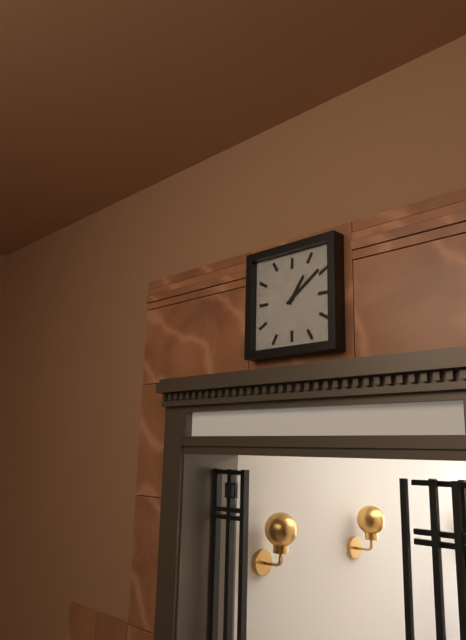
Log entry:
1h09
